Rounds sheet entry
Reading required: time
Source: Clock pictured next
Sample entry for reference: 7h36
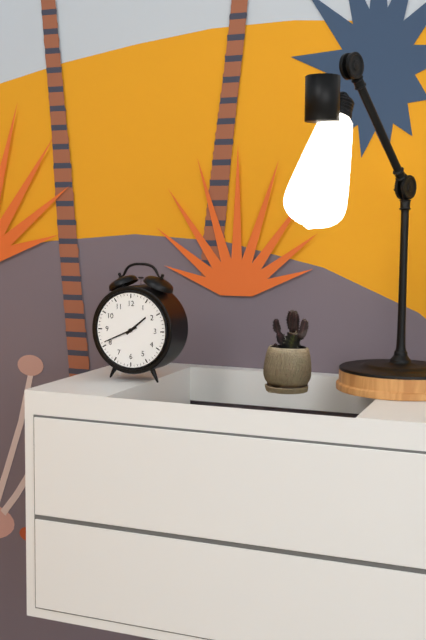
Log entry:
1h41
